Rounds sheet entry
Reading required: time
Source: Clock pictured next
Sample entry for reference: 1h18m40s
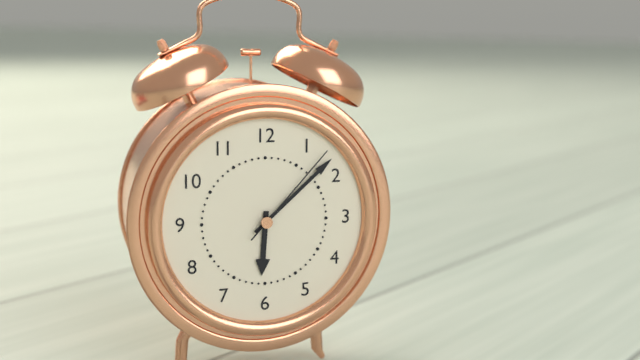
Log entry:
6h08m07s
